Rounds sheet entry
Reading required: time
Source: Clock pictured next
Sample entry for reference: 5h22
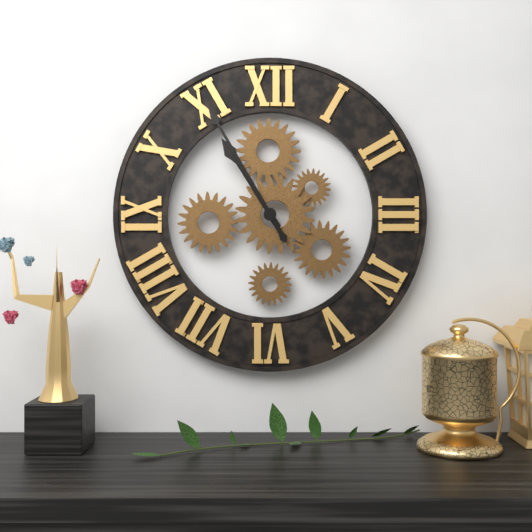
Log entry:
10h55
